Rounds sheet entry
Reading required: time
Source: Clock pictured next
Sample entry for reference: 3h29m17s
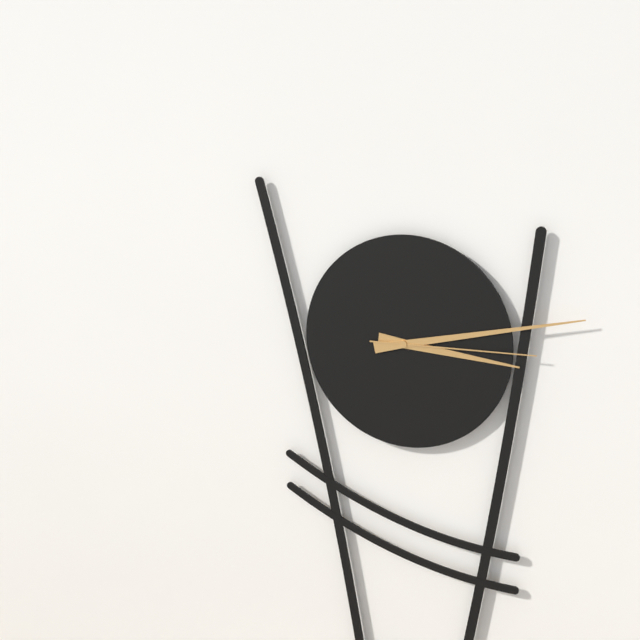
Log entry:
3h13m15s
